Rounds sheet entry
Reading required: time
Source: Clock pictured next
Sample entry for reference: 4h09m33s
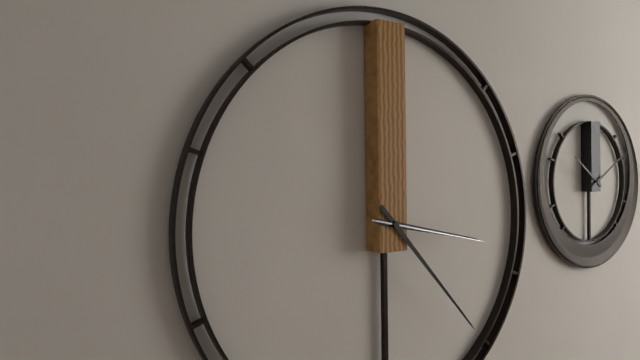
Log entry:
3h23m17s
